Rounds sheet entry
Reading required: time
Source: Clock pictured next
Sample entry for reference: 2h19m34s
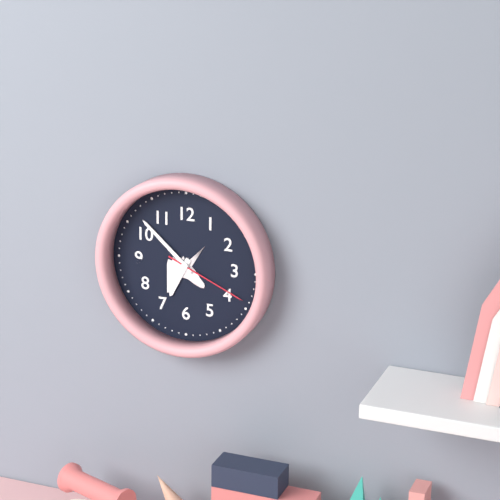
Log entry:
6h52m19s
